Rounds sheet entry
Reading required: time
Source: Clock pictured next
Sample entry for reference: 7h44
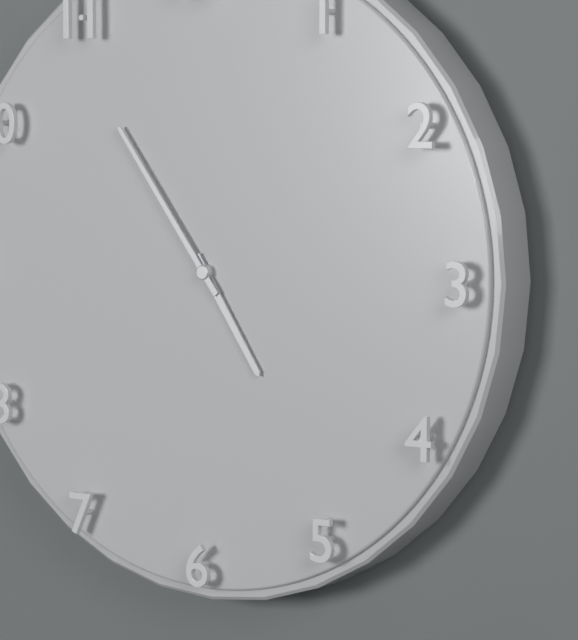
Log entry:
4h54
